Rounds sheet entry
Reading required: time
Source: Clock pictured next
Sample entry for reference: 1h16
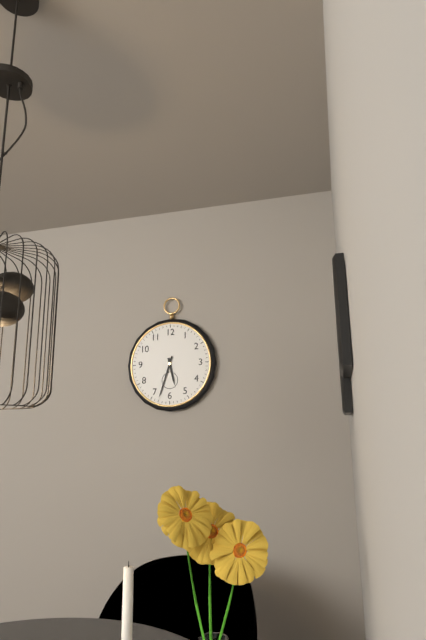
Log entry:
5h33
